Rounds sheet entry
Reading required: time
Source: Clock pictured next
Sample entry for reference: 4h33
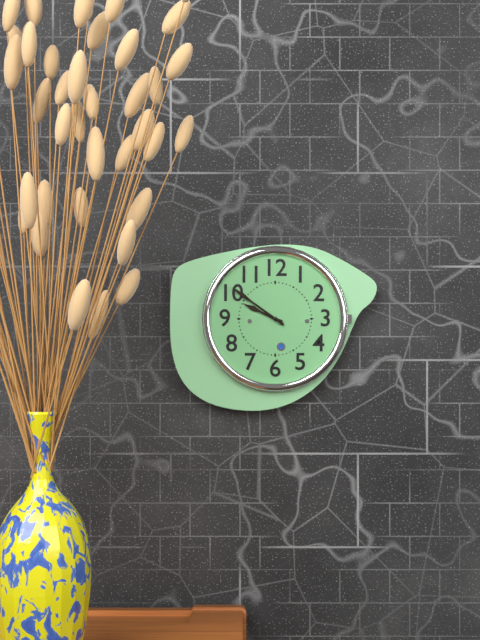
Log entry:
9h51
